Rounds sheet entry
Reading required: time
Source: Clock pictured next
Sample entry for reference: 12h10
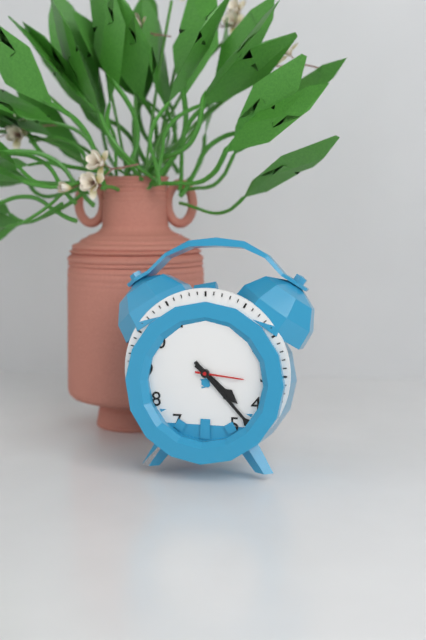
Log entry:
4h23
